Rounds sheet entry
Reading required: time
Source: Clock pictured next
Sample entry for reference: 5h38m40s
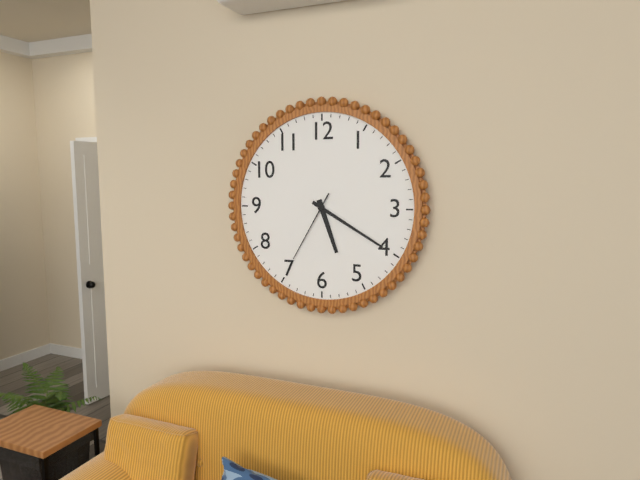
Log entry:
5h20m35s
